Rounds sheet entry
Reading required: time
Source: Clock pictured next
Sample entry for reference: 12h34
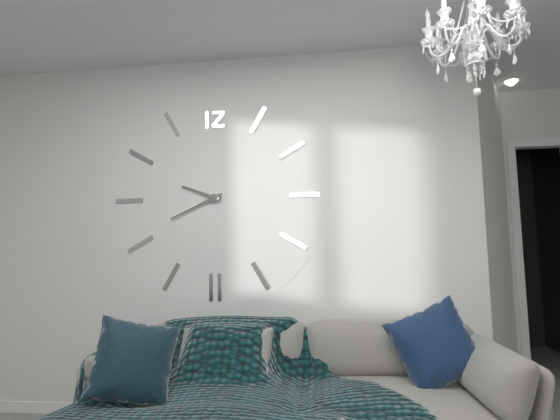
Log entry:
9h41
